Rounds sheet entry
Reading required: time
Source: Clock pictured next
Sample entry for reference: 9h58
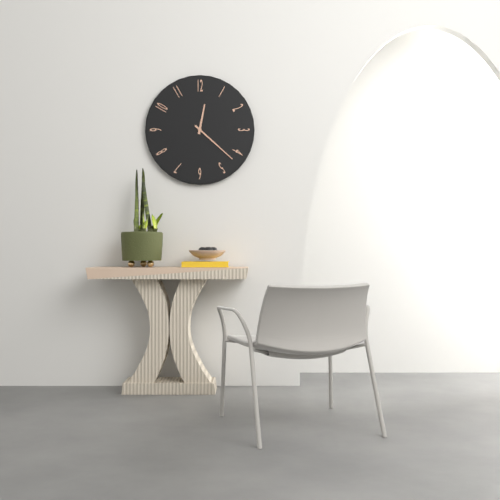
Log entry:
12h22
